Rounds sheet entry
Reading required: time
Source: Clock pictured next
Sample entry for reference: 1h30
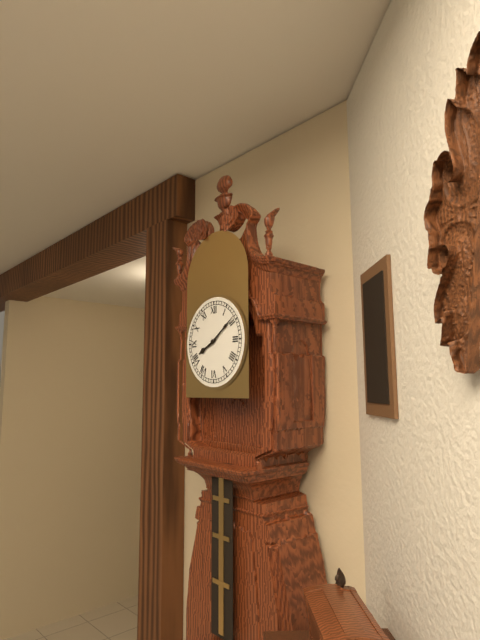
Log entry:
8h09
